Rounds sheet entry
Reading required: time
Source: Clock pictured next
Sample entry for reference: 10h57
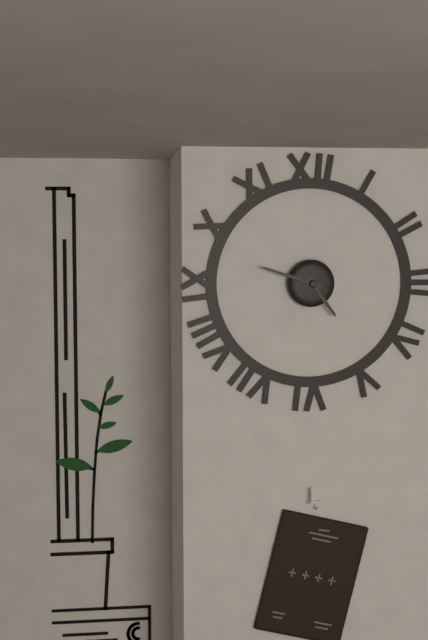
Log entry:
4h48
